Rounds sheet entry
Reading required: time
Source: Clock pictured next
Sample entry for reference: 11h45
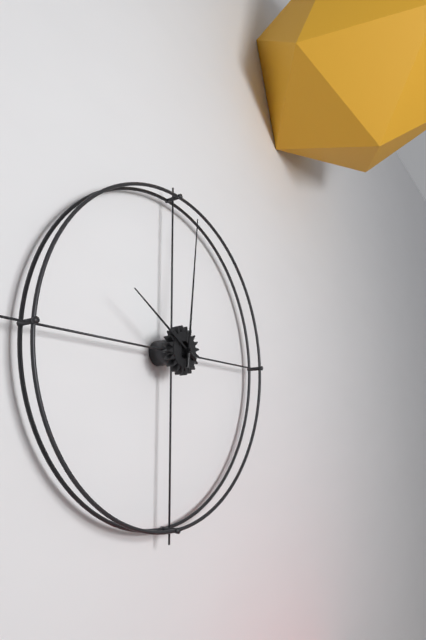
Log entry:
10h01
